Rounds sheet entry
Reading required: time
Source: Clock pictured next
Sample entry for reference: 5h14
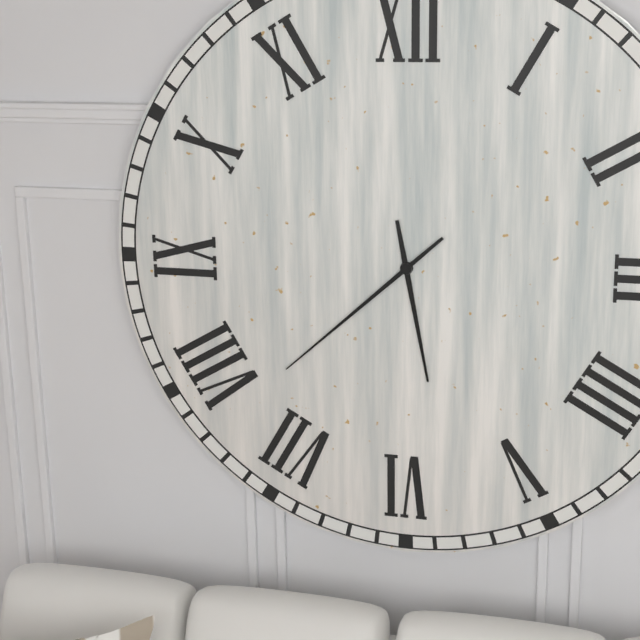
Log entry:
5h38
